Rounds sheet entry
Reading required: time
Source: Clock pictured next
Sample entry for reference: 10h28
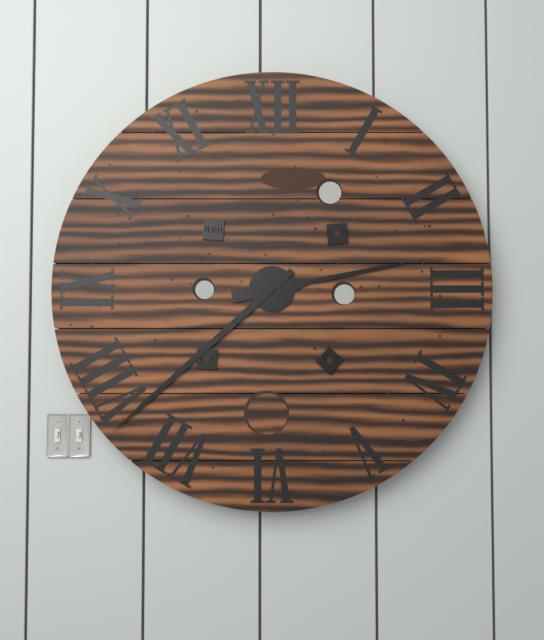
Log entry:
2h38
